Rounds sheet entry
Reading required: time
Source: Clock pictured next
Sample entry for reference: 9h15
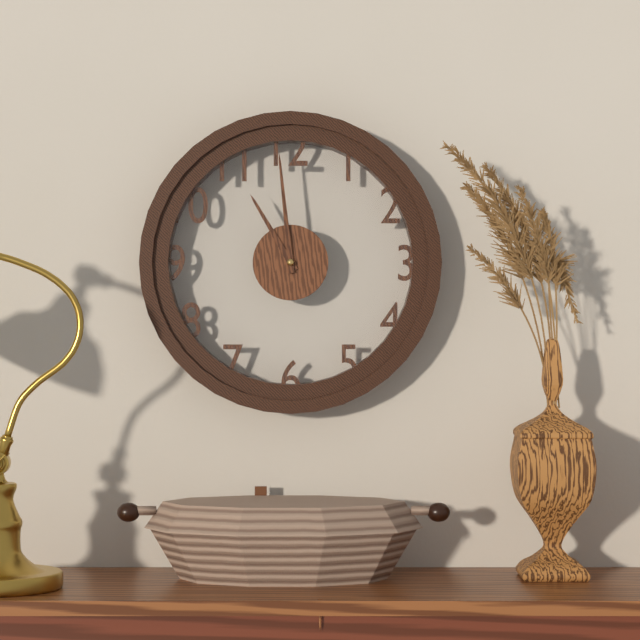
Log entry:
10h59
